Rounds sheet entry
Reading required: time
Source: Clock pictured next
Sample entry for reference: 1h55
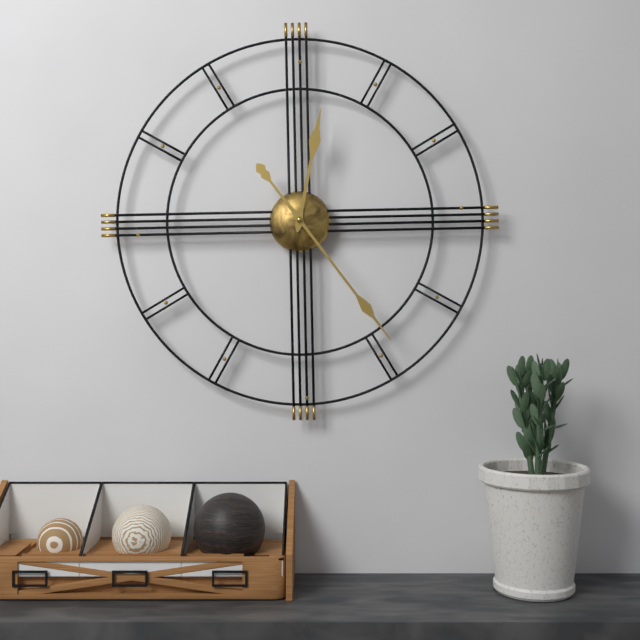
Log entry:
12h24
